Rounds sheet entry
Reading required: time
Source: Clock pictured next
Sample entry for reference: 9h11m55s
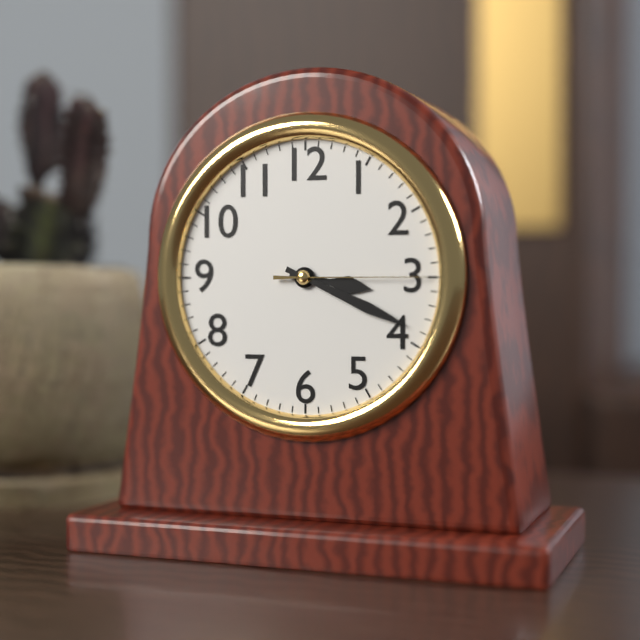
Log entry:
3h19m15s
